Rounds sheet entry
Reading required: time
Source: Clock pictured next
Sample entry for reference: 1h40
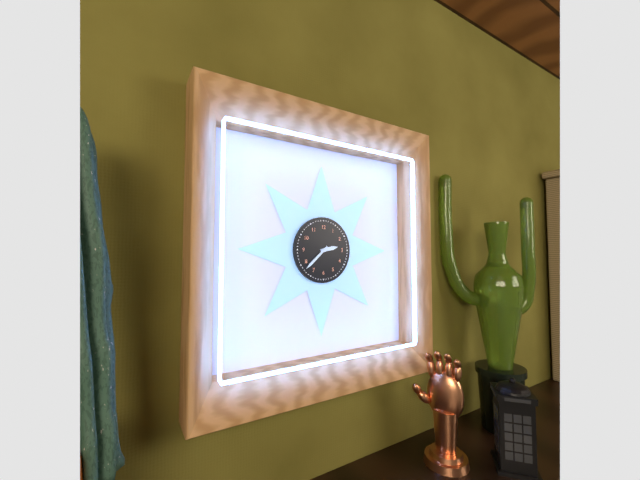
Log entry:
2h38
